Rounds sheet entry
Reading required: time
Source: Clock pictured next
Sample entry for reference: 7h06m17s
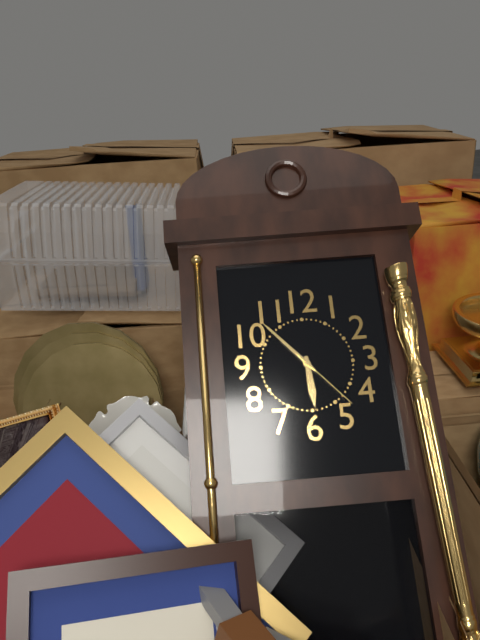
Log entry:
5h53m23s
